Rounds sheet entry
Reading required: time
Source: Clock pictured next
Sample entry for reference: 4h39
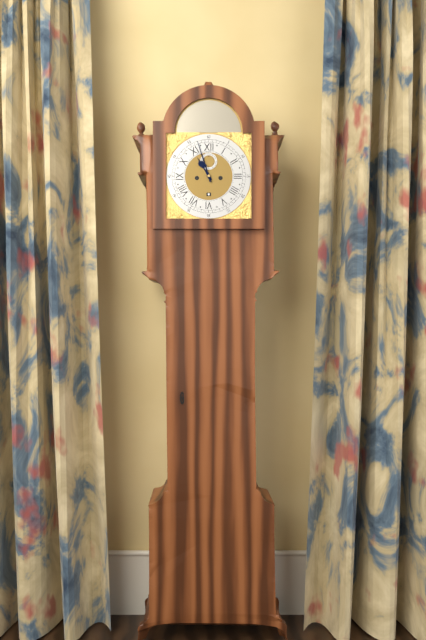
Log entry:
10h57
